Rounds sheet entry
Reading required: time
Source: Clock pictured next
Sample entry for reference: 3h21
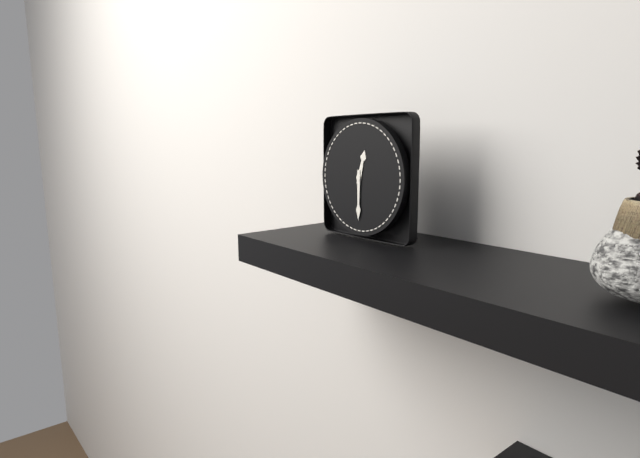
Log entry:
12h30
